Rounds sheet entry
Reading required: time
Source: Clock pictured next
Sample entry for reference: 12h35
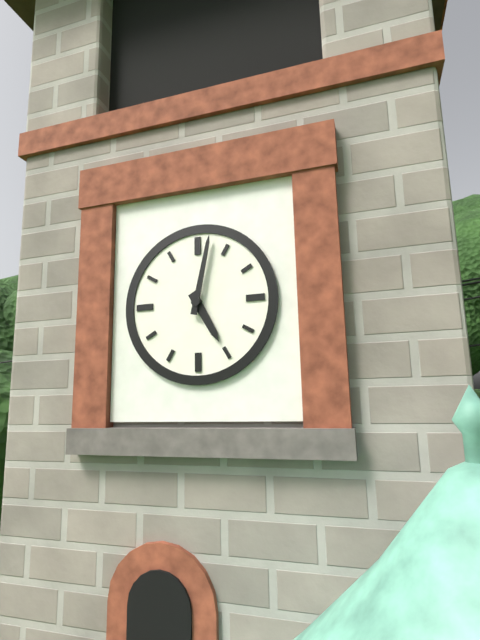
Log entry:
5h02
